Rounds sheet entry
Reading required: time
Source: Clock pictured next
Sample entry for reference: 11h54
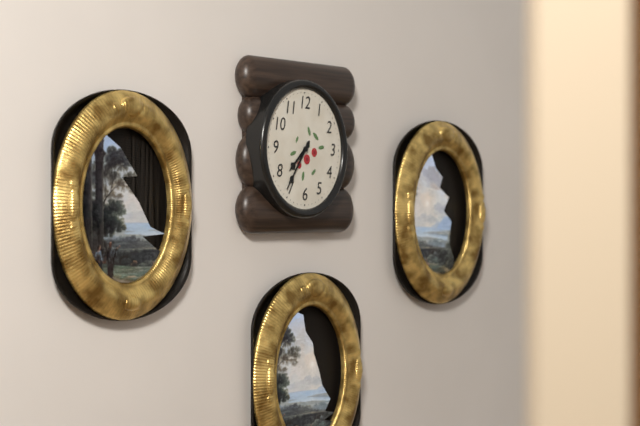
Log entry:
7h36
